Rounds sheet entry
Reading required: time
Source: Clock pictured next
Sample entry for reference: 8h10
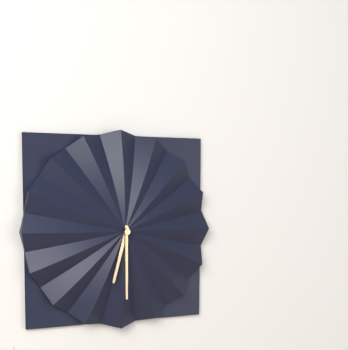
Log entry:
6h30
